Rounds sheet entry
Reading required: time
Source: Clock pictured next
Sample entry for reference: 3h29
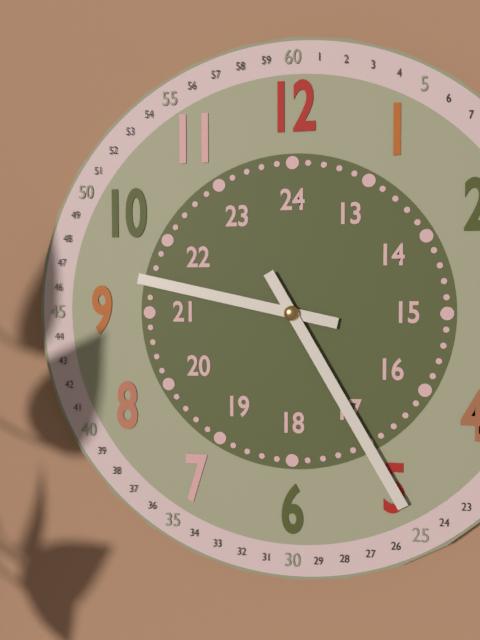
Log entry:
9h25
